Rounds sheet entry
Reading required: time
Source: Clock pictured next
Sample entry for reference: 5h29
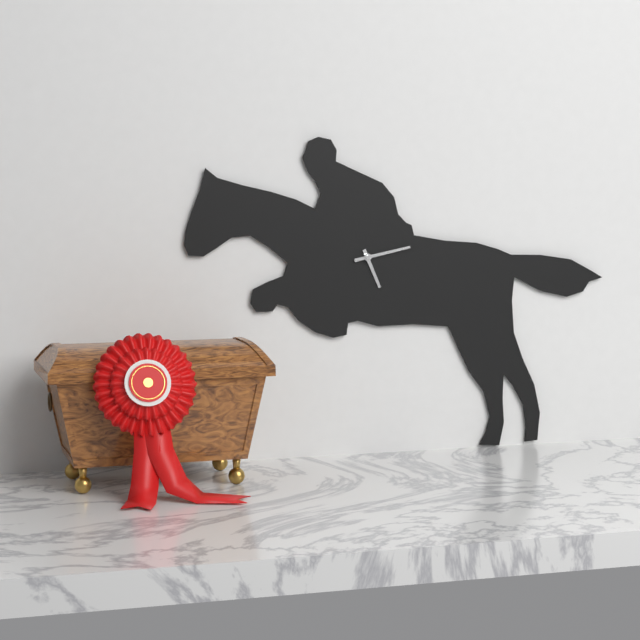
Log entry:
5h13
